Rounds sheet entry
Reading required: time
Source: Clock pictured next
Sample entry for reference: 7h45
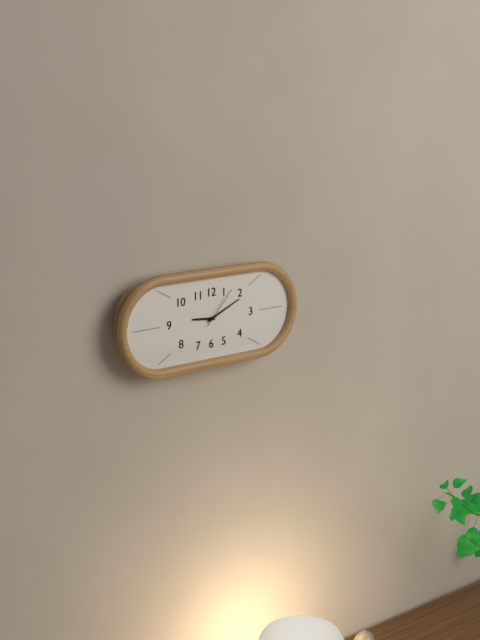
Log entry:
9h11
